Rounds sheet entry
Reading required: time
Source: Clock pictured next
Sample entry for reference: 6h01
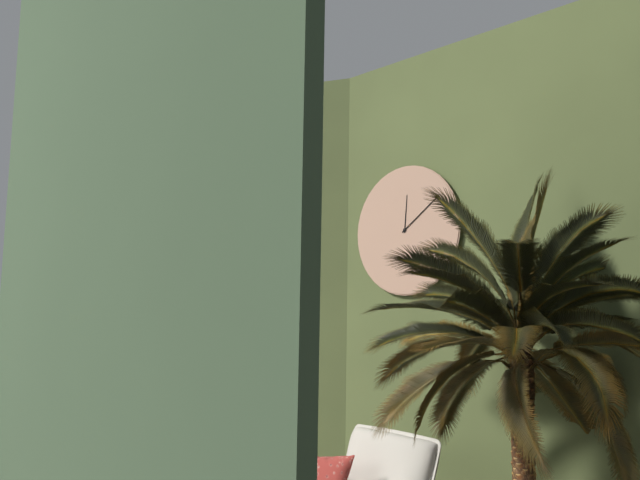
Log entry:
12h09
